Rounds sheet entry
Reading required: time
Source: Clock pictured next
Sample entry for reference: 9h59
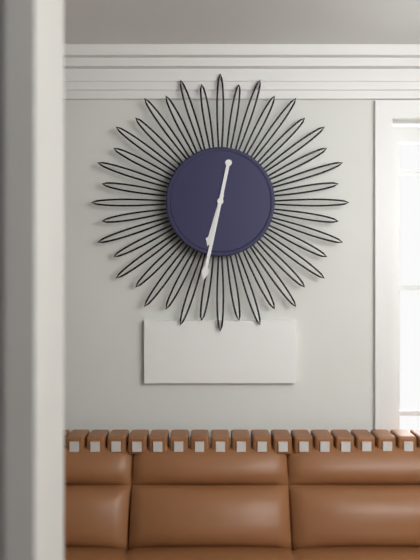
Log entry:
6h32
